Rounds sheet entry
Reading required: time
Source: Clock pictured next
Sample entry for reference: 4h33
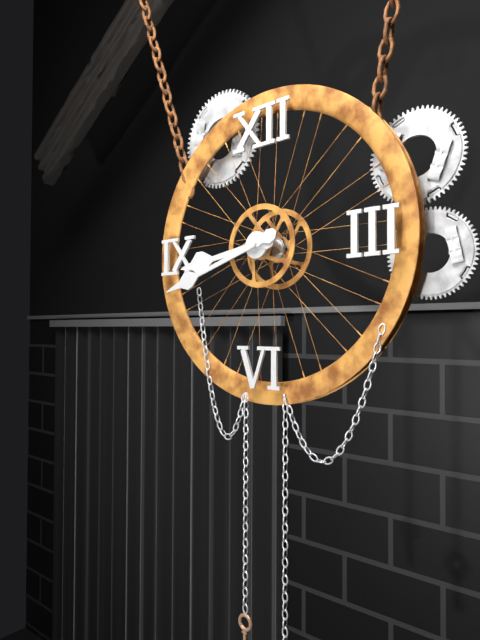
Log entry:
8h42
